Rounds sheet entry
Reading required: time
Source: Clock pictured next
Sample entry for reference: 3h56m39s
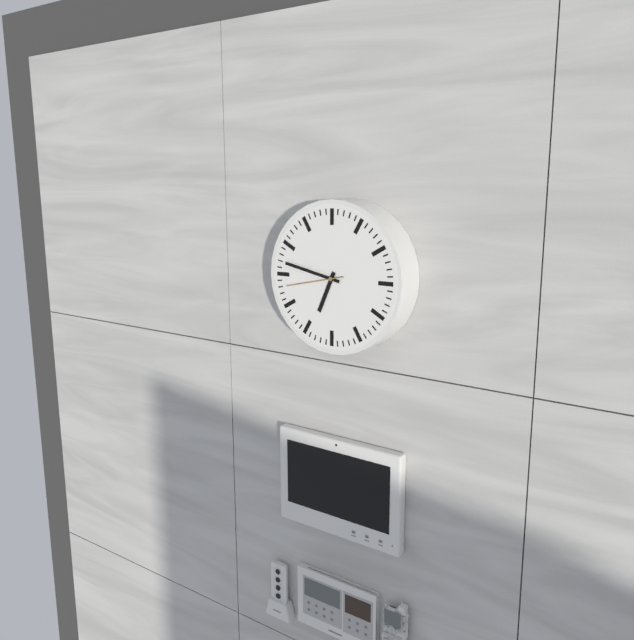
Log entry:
6h47m43s
